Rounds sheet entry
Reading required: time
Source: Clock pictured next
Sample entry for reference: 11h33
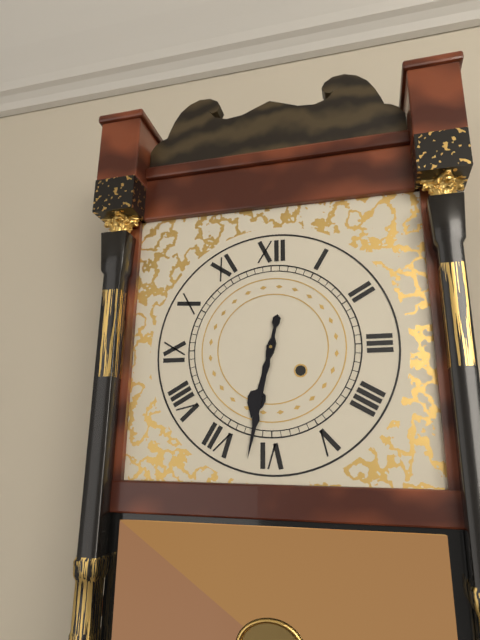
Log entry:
6h32
